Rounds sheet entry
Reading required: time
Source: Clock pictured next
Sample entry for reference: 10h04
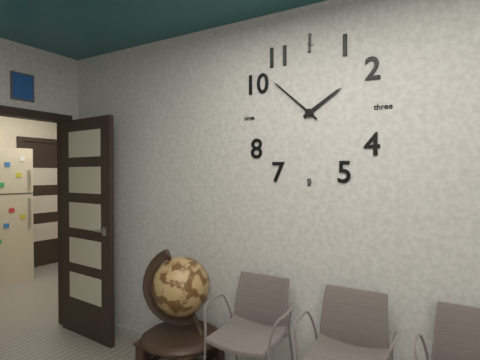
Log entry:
1h52
